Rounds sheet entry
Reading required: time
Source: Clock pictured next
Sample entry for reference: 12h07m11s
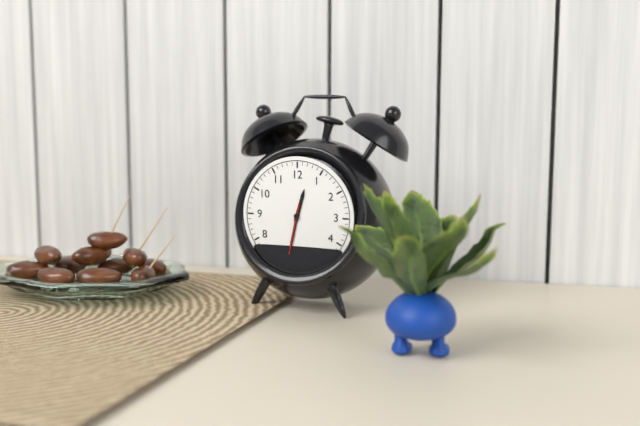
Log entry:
12h32m32s
